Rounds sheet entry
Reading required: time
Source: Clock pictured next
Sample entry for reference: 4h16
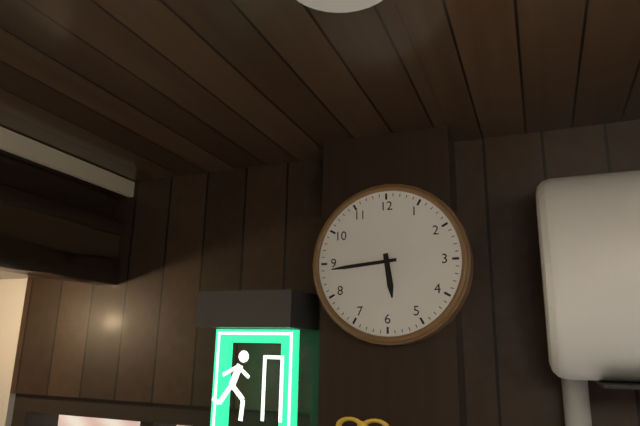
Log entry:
5h44
